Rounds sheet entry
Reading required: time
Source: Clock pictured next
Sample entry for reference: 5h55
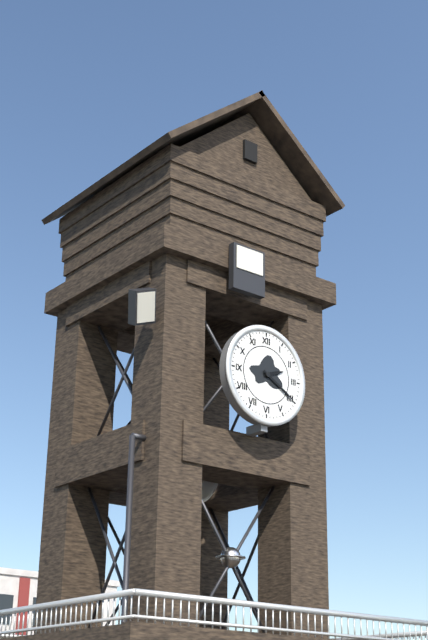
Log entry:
2h20
